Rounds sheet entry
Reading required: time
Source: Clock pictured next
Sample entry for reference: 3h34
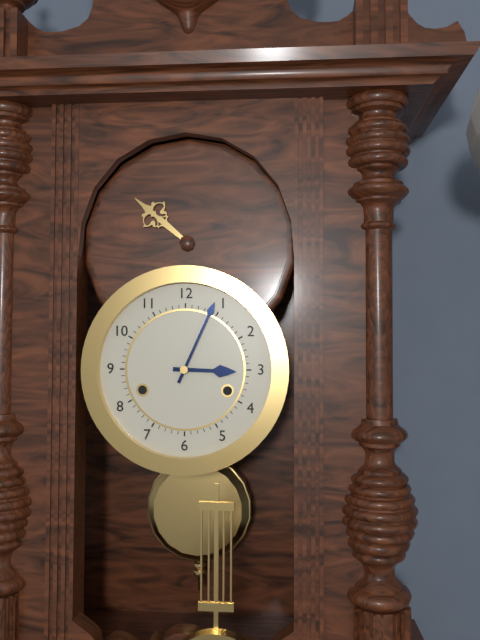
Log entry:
3h04
